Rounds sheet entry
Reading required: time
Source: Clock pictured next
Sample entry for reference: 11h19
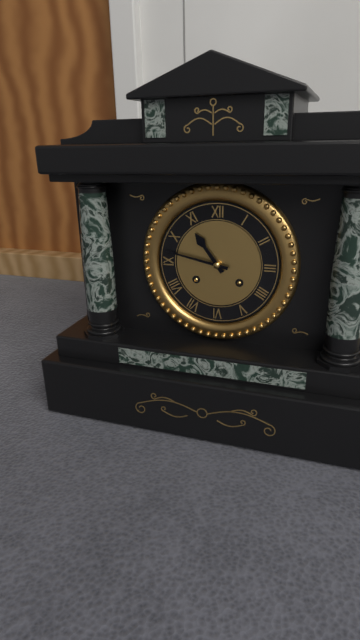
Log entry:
10h47
